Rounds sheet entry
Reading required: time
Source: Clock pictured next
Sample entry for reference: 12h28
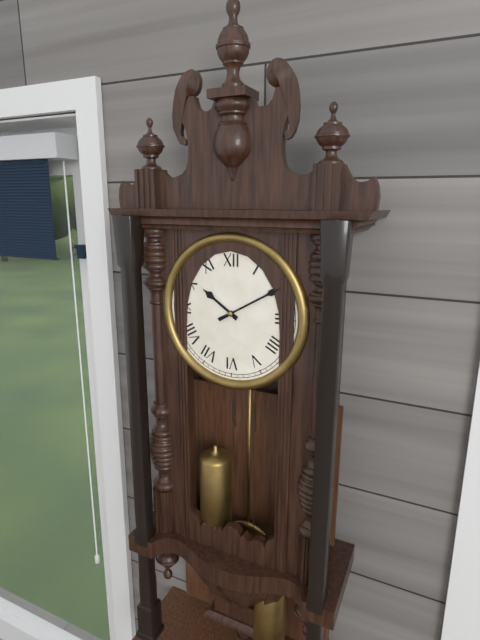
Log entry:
10h10
